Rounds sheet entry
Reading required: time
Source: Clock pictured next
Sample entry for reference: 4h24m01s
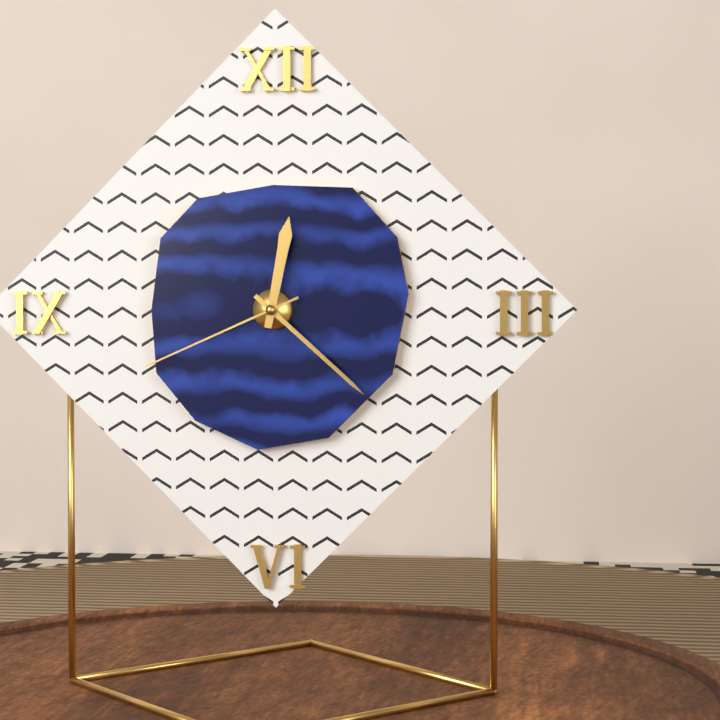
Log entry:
12h22m41s
